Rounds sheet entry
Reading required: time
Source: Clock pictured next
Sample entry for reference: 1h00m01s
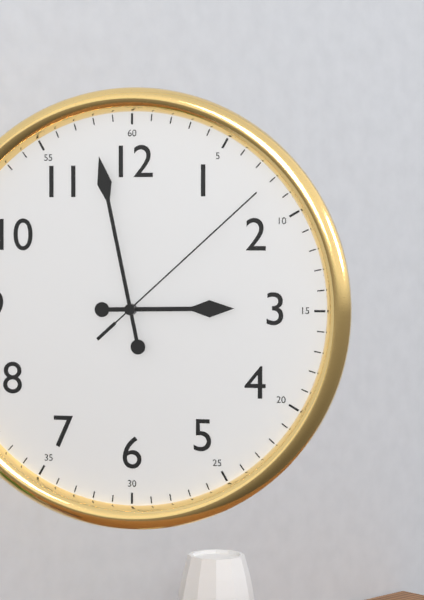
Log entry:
2h58m08s
